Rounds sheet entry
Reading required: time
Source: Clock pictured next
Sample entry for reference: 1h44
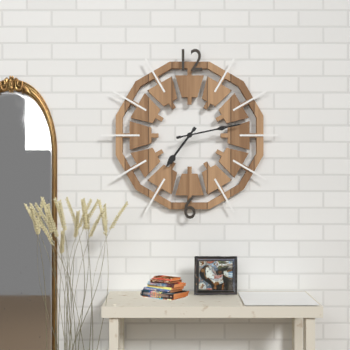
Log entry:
7h13
